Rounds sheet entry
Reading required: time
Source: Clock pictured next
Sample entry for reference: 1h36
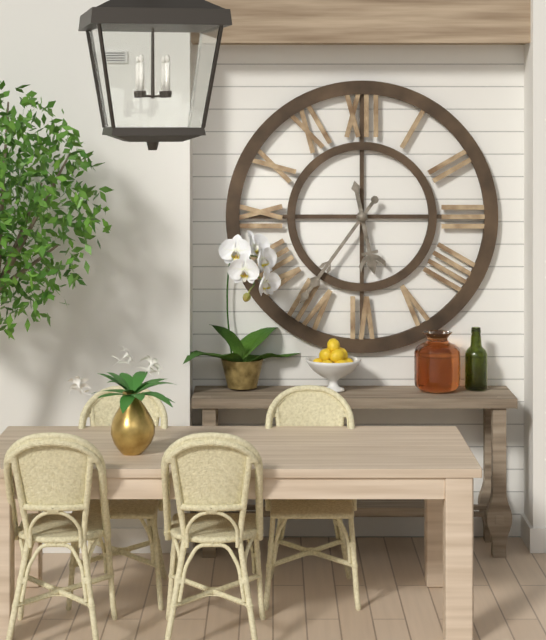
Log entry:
5h36
